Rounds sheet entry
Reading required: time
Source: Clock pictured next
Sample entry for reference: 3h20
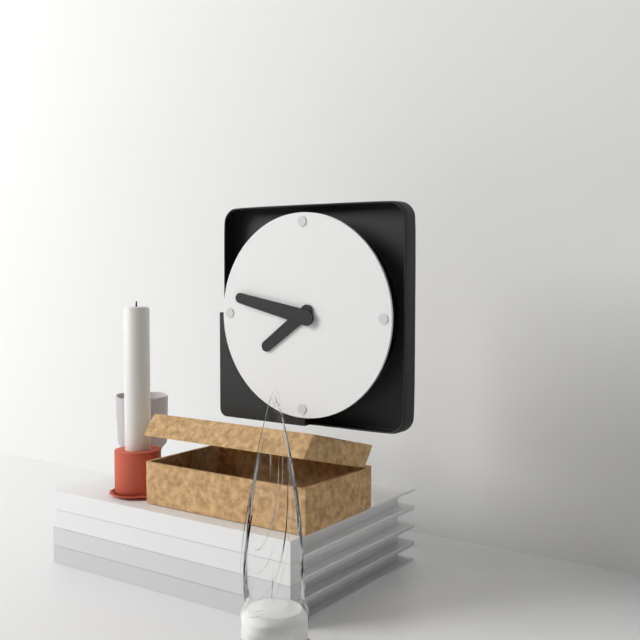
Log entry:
7h47
